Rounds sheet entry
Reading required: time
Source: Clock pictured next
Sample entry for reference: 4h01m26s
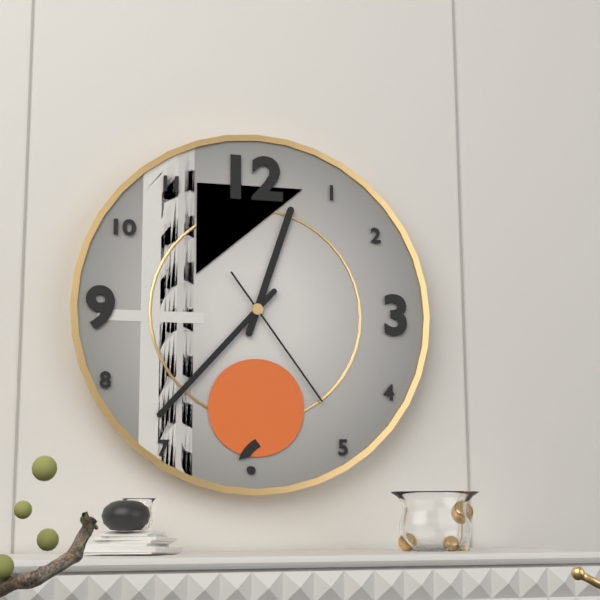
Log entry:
12h37m24s
